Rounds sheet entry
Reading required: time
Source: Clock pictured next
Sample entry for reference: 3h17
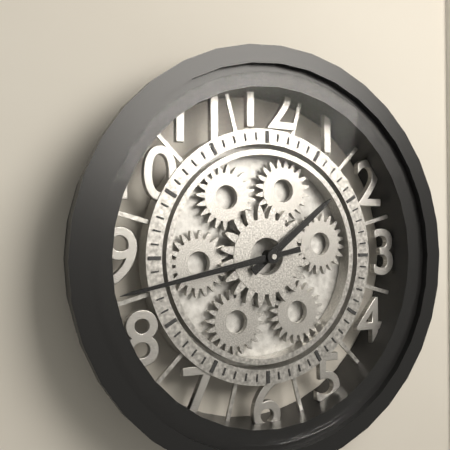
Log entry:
1h43
